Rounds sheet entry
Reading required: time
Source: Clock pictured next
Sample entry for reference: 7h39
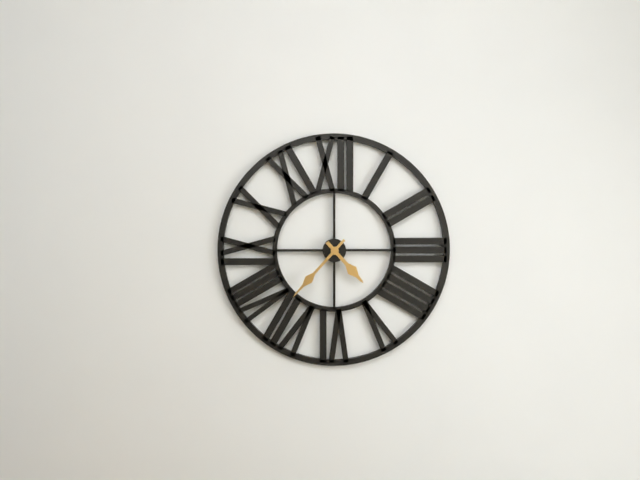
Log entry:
4h37
